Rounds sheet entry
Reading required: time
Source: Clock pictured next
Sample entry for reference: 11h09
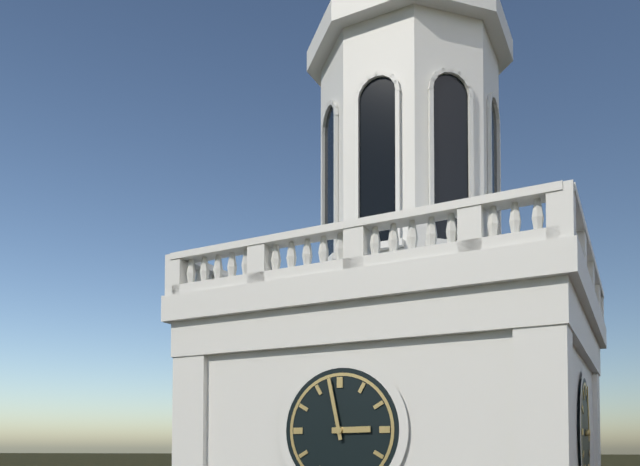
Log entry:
2h58
